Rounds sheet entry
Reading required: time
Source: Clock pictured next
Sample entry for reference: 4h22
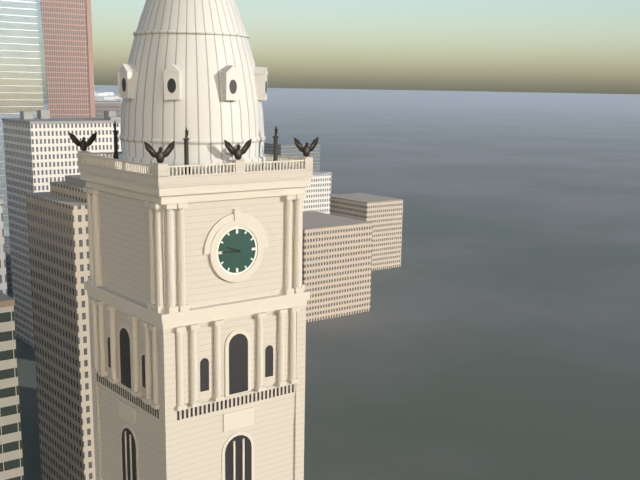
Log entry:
9h45
